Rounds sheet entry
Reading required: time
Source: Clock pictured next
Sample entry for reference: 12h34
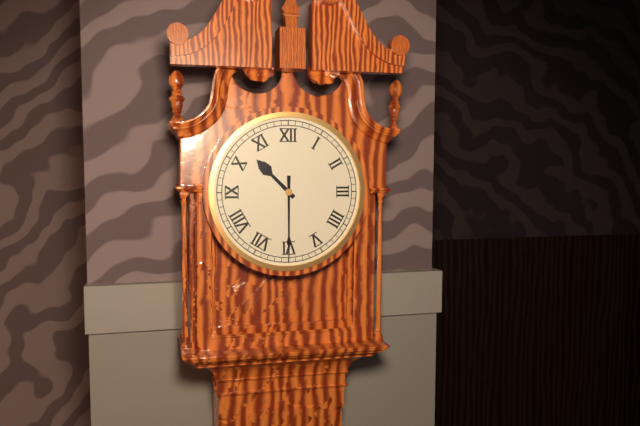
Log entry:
10h30
